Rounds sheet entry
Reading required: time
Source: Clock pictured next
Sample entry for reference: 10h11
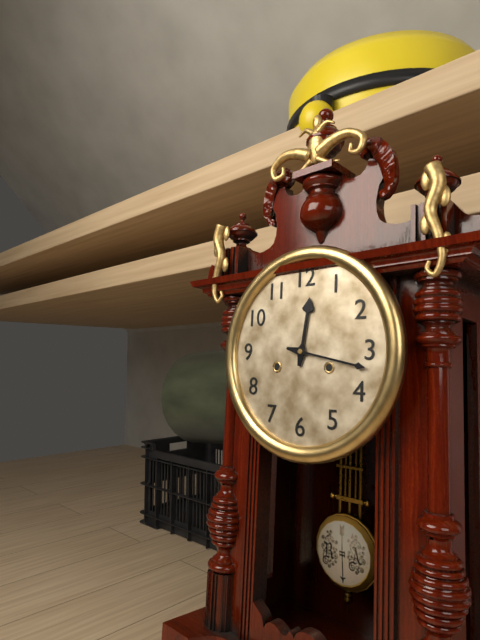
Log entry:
12h17
